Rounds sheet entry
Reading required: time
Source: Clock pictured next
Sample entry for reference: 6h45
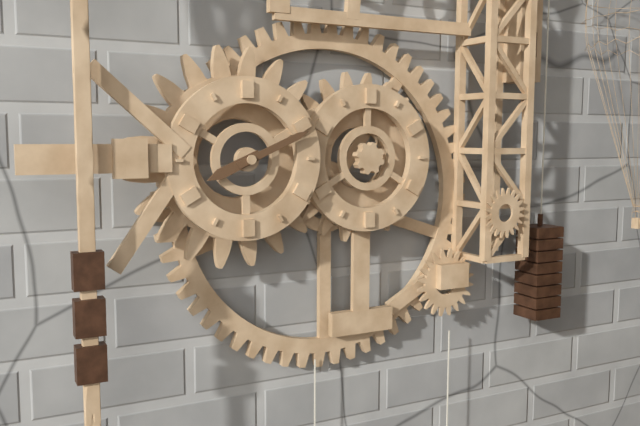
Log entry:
8h11
